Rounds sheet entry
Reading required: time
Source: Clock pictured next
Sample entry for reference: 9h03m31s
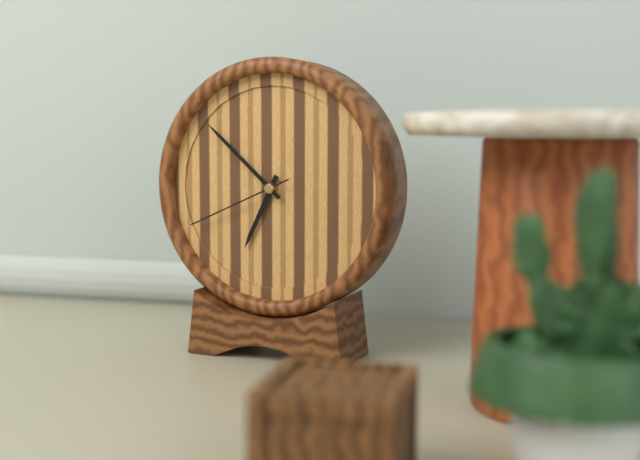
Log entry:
6h52m41s
